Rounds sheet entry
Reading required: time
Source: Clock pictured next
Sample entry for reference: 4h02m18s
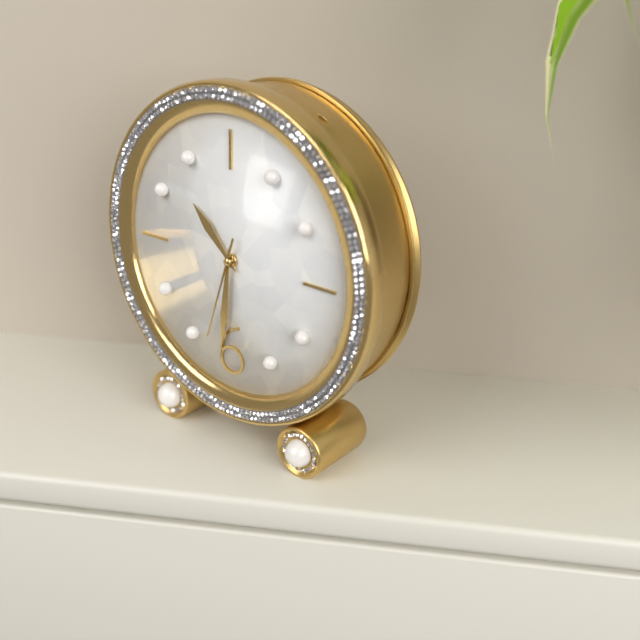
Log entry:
10h31m33s
